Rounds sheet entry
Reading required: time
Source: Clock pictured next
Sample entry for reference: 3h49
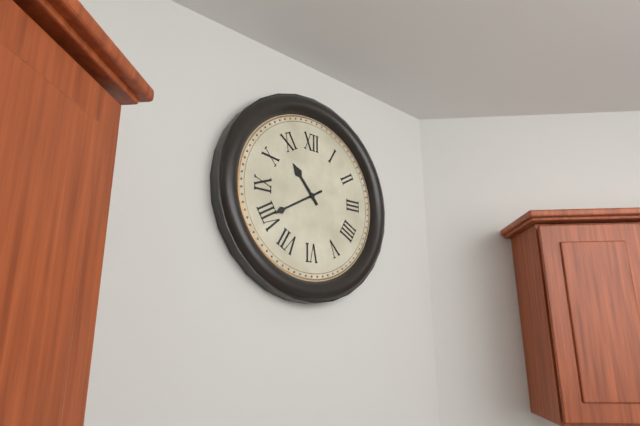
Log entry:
10h40
